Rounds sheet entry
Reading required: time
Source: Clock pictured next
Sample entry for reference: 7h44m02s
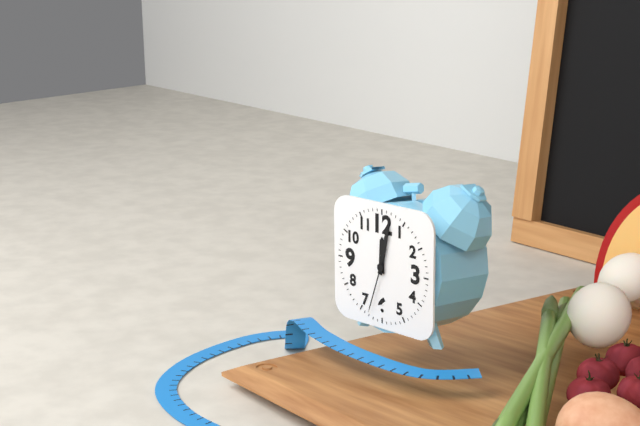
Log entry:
12h02m33s
